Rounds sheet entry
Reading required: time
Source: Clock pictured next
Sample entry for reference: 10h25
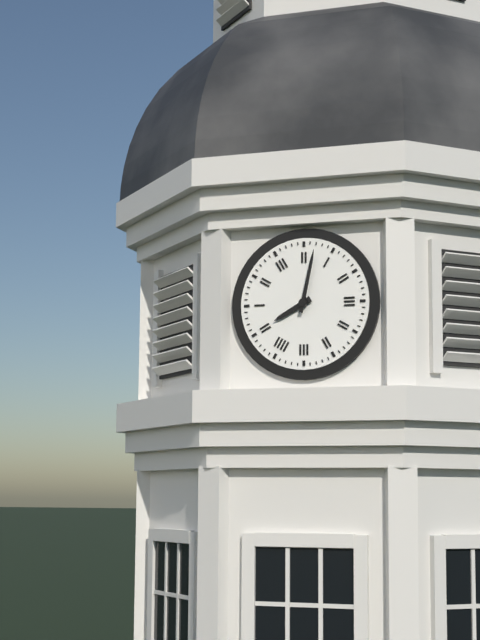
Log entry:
8h02
